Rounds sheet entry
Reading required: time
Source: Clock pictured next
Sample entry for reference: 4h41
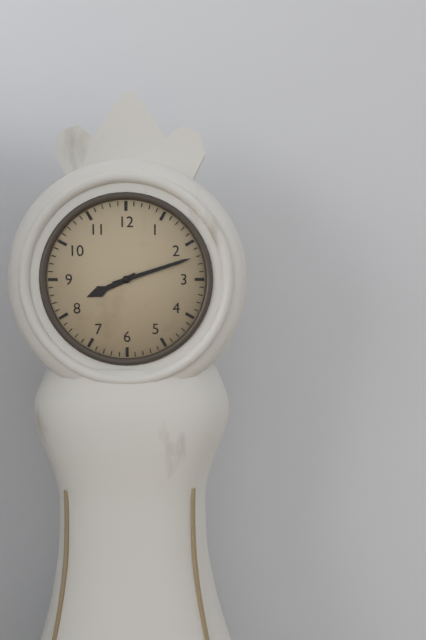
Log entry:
8h12
